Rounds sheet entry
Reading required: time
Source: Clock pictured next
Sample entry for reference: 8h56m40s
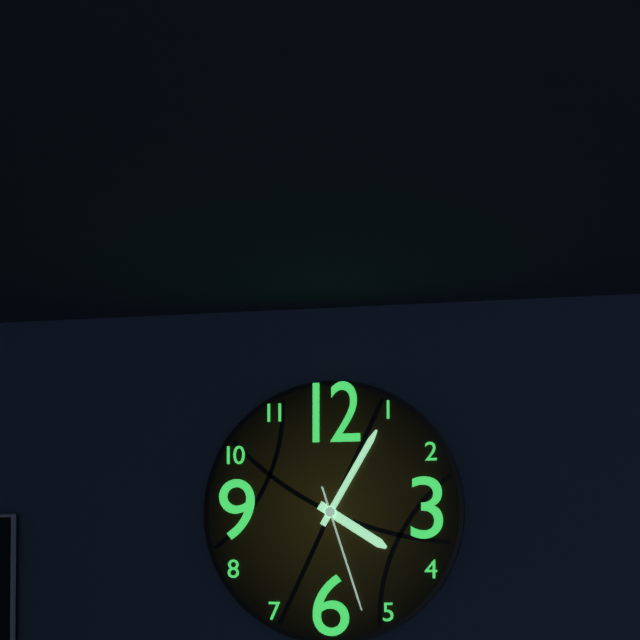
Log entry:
4h05m27s
